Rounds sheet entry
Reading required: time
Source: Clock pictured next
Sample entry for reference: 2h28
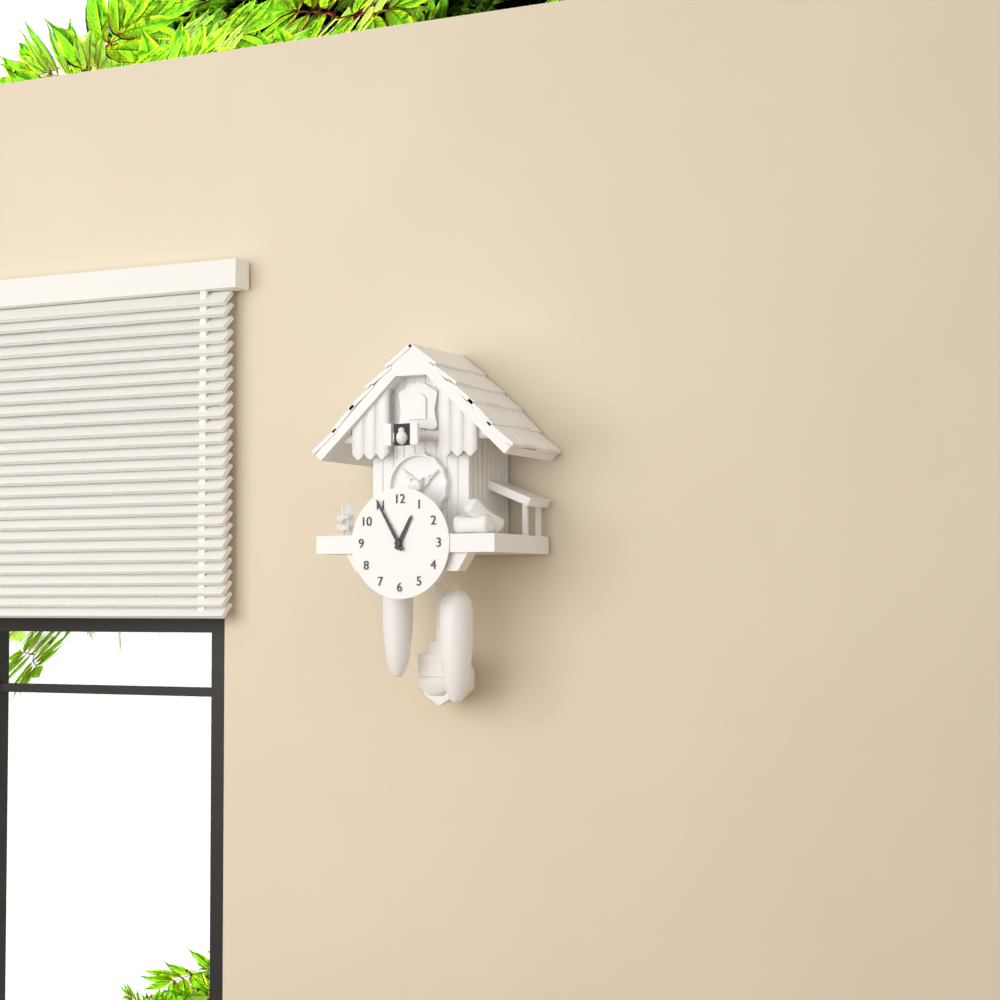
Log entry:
12h55
